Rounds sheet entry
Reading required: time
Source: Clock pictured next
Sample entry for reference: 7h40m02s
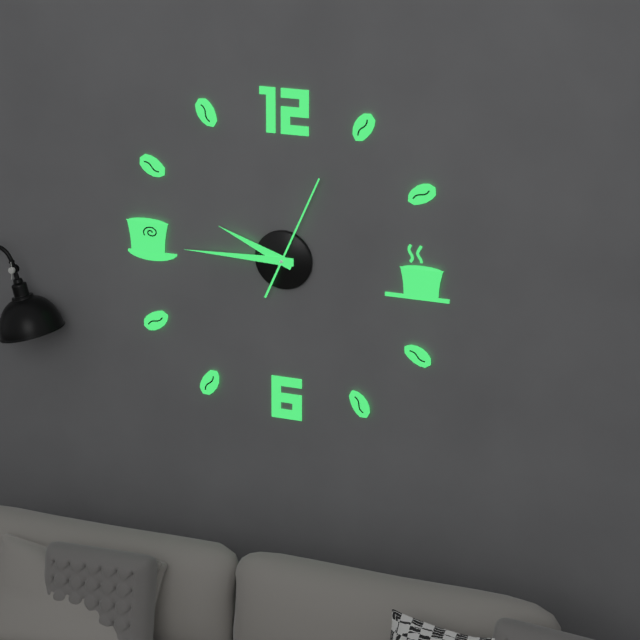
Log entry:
9h45m04s
